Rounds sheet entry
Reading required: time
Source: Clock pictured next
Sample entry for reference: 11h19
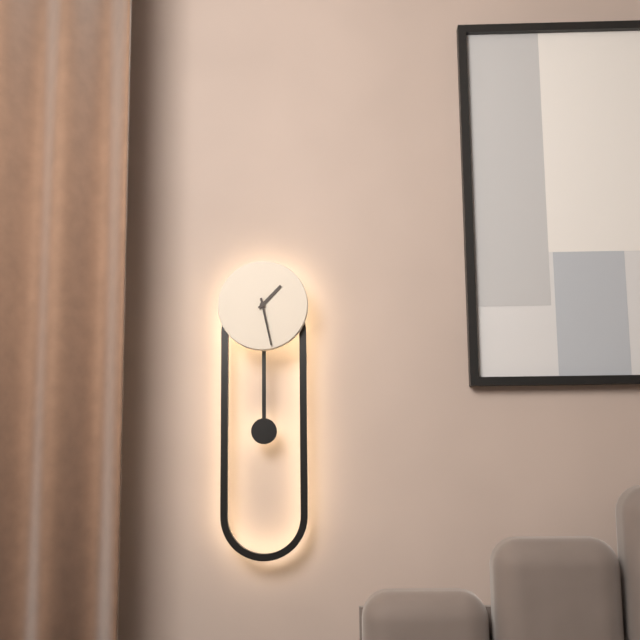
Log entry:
1h28
